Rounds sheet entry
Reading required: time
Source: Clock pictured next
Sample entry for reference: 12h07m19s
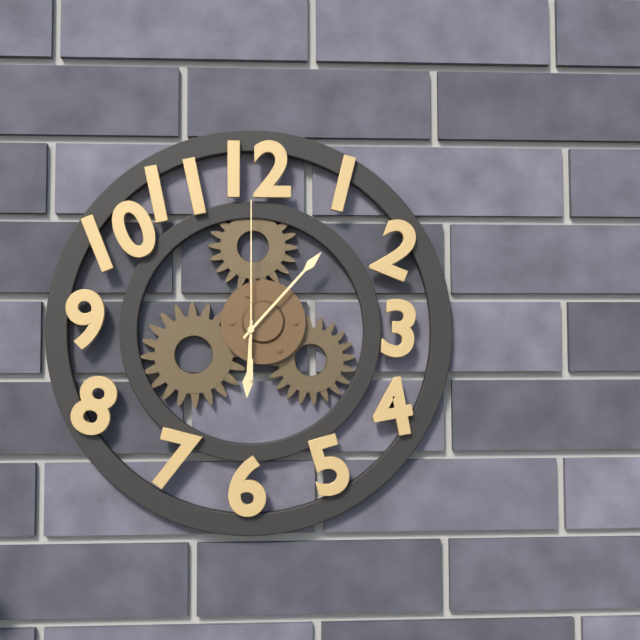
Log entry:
6h07m00s
